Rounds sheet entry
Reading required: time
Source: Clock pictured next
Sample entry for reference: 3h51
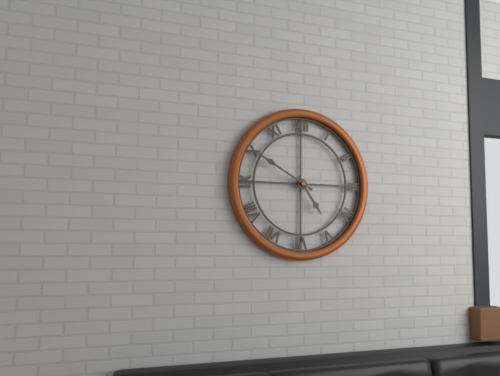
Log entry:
4h50
